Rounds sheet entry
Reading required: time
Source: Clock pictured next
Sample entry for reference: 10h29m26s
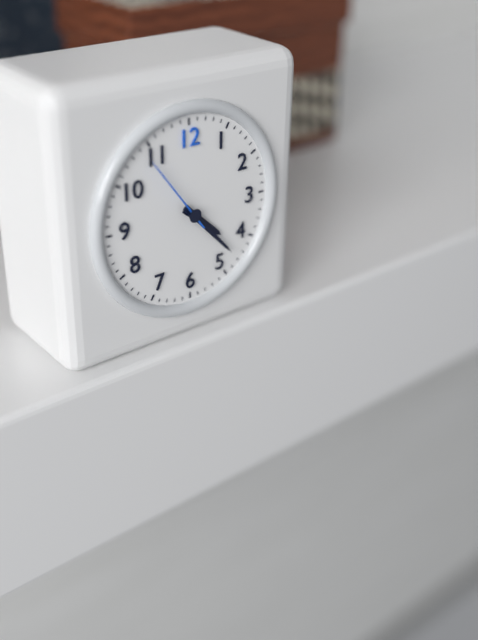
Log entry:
4h23m54s
